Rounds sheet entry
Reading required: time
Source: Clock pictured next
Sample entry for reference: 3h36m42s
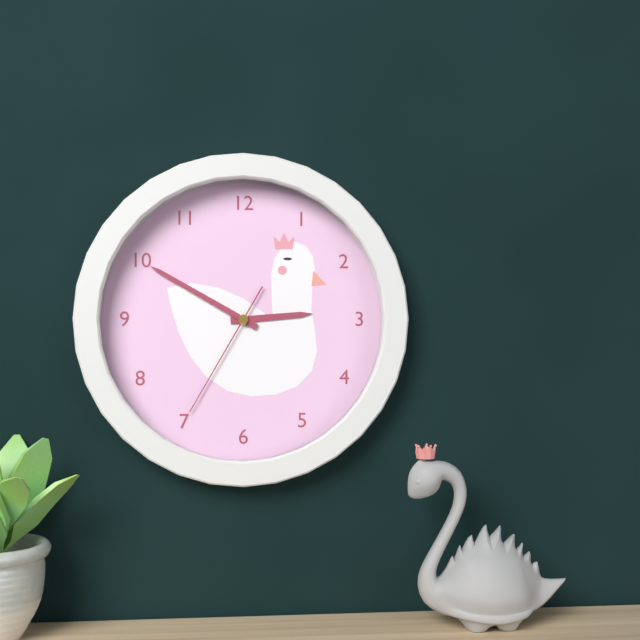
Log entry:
2h50m35s
